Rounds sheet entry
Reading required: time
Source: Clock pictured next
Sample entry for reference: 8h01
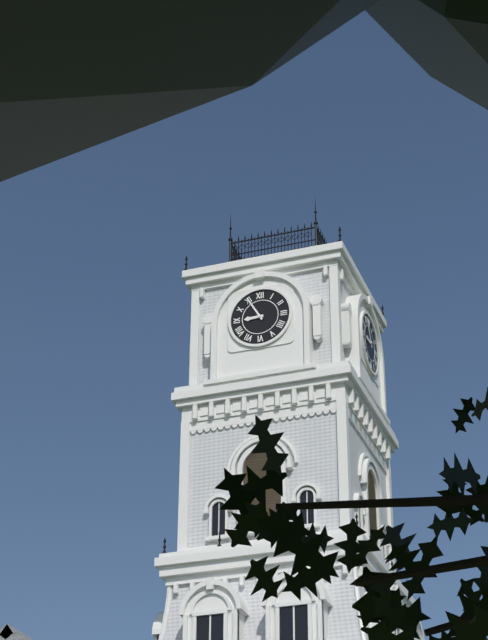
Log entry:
8h55
